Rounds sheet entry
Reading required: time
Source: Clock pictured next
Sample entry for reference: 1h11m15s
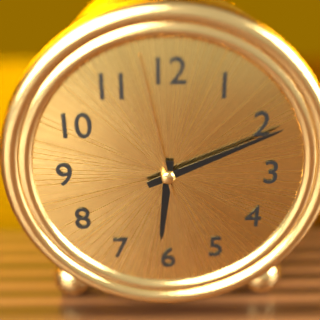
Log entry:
6h11m58s
